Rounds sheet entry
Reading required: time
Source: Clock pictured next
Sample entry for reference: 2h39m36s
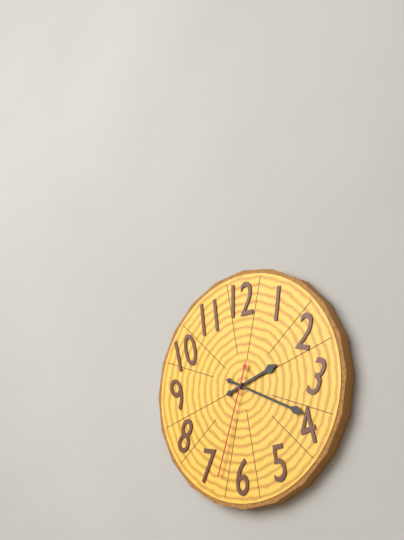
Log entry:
2h19m33s
